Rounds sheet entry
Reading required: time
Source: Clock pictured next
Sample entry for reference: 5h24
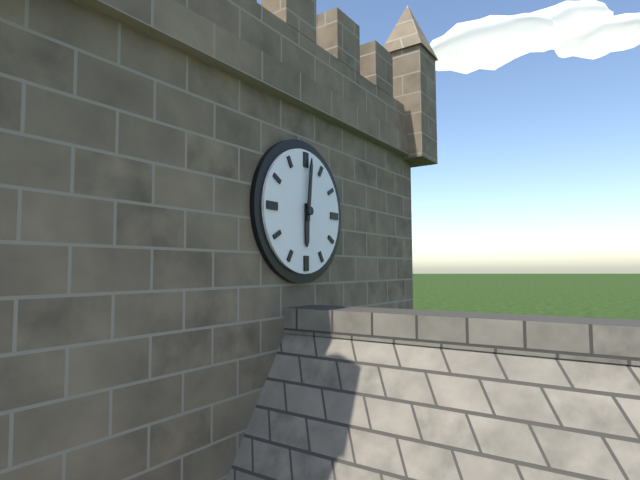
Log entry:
6h01
